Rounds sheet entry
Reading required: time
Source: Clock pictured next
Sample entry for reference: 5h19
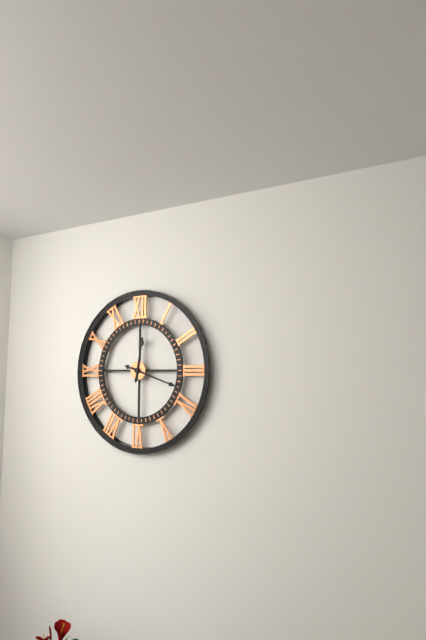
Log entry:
12h18
